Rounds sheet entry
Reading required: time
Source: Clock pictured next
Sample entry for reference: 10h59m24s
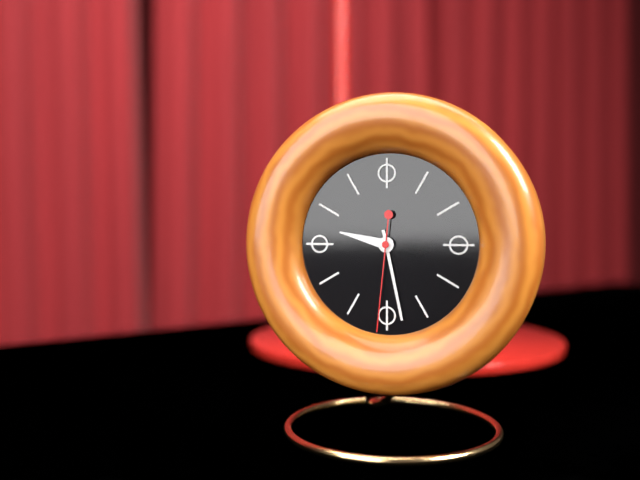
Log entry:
9h28m31s
